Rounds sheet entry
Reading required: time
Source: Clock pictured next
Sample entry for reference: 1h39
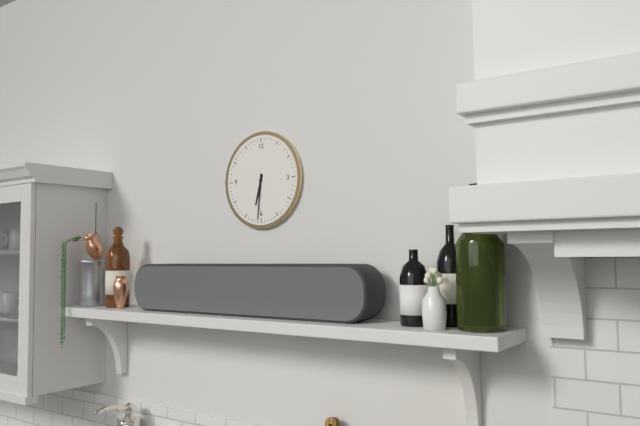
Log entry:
6h31
